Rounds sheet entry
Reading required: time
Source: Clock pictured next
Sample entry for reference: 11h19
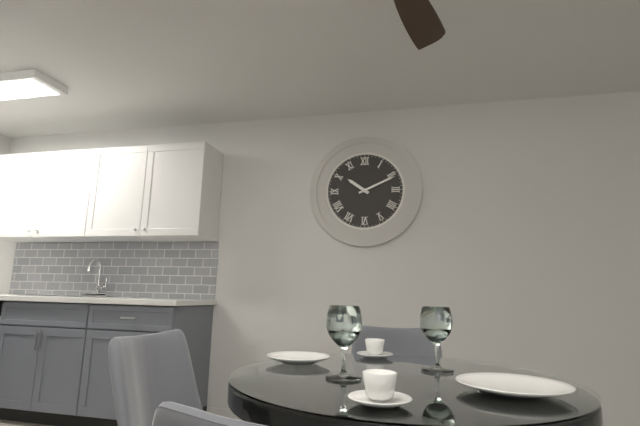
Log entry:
10h11
